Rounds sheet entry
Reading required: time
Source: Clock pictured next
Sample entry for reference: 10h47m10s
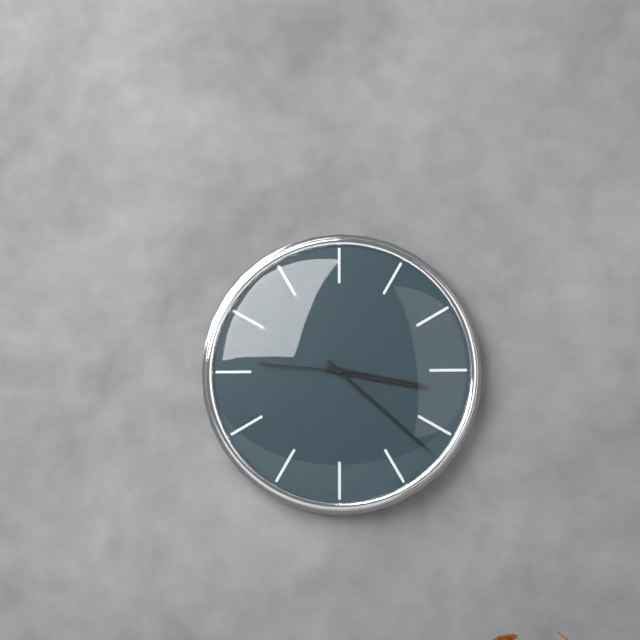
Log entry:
3h22m46s
